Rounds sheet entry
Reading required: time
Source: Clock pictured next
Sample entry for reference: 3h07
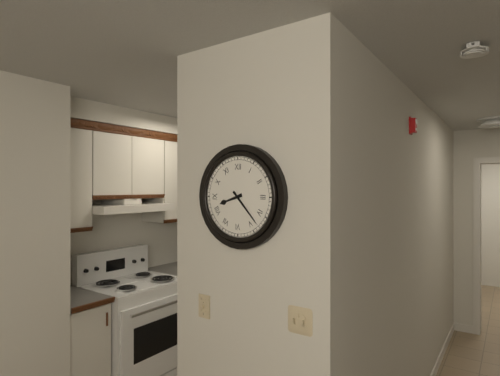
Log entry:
8h23
